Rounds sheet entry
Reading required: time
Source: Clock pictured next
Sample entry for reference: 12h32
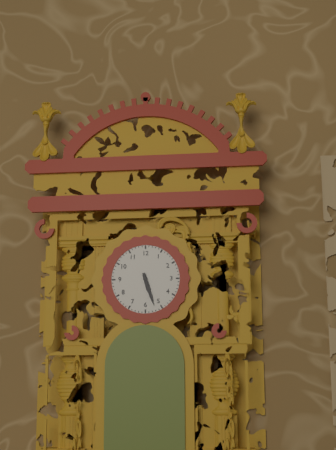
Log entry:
5h27
